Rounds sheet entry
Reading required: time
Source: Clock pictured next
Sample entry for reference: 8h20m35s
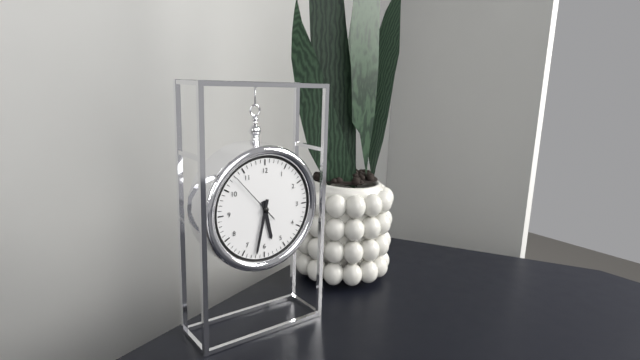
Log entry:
5h32m53s
